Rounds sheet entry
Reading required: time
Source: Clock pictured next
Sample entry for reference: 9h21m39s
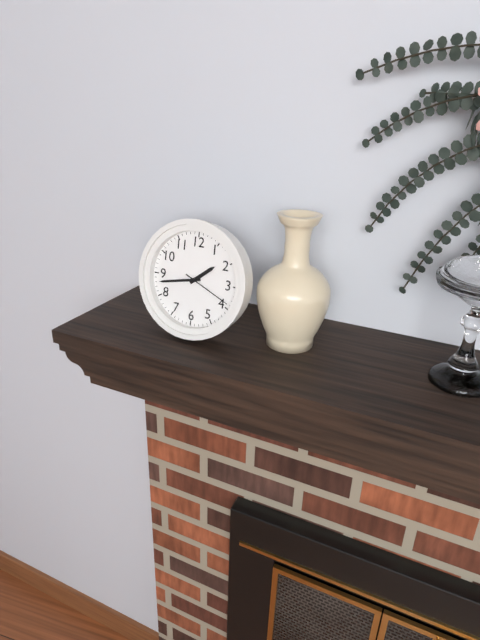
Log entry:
1h43m19s
